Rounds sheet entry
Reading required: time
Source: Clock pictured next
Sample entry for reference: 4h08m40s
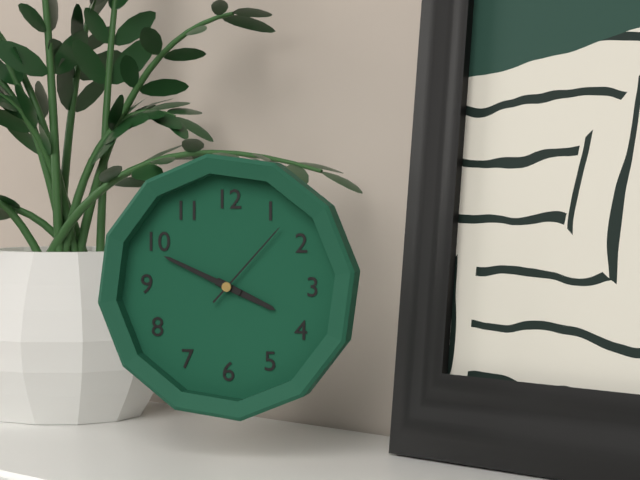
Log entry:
3h49m07s
